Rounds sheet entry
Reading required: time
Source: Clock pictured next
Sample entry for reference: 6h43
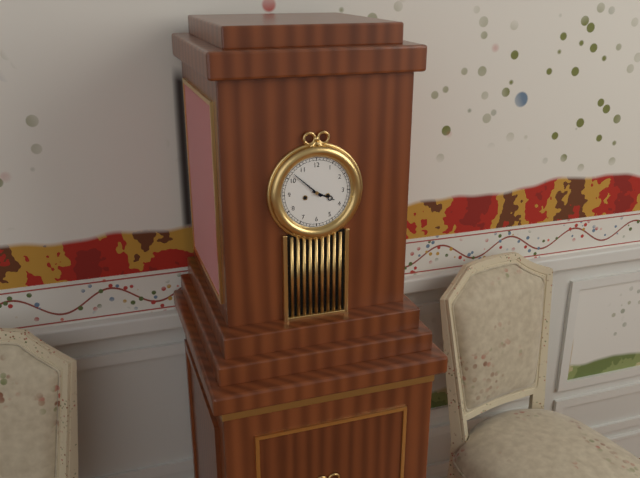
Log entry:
3h52
